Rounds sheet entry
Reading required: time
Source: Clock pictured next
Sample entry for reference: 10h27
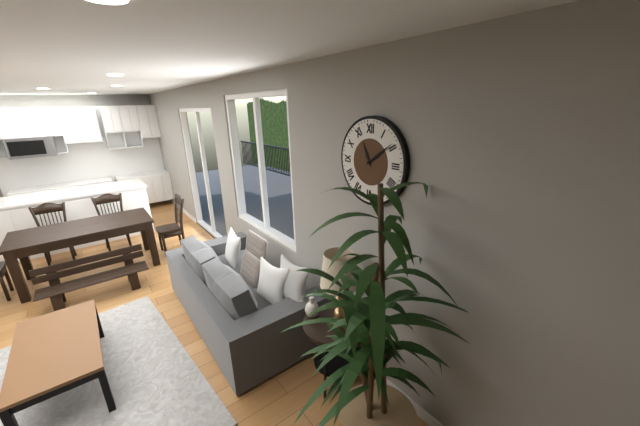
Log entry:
11h09
